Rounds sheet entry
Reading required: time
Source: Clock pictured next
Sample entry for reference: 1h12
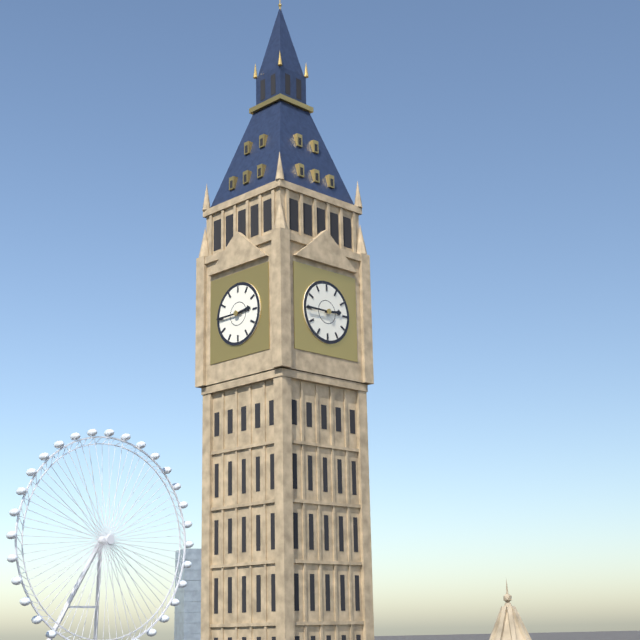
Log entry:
2h45
